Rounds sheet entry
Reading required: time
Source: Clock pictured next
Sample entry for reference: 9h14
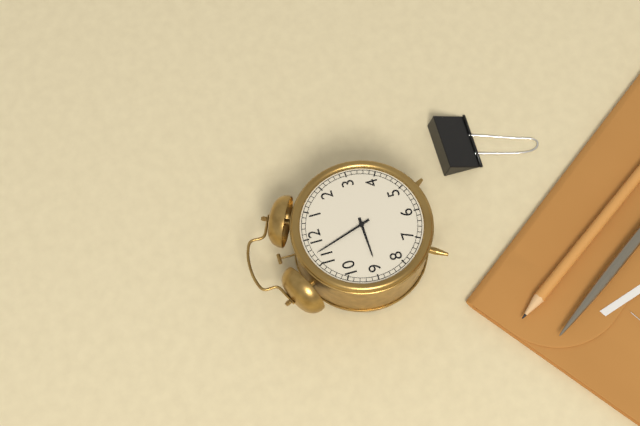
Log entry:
8h57
